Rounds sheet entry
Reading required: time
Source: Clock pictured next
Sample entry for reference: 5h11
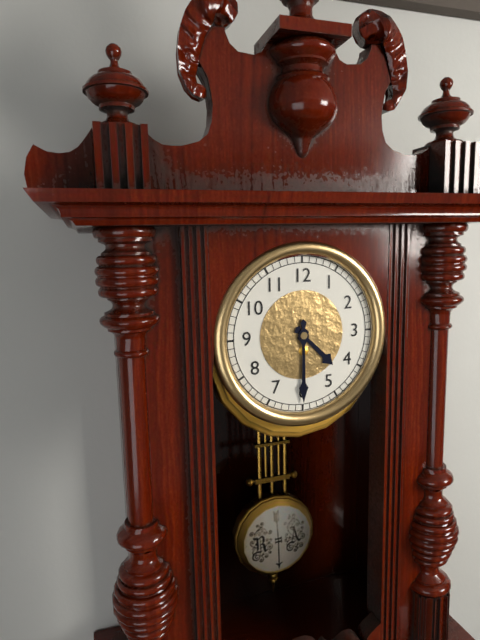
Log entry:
4h30
